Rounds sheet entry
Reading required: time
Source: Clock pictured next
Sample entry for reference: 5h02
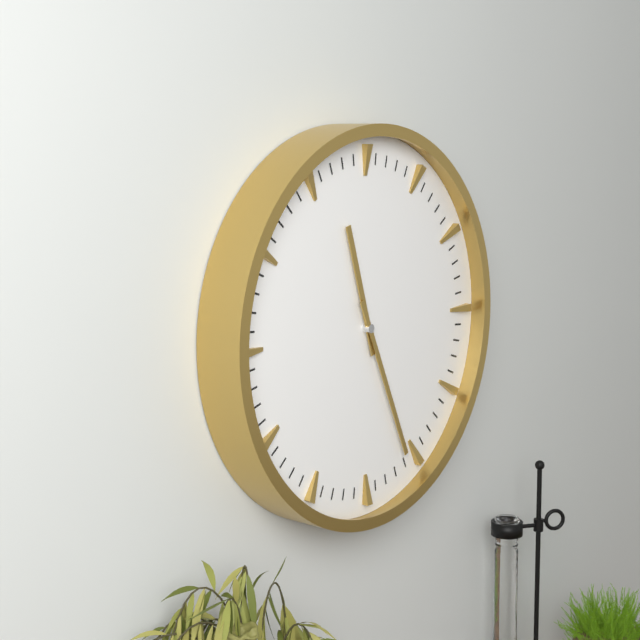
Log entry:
11h26
